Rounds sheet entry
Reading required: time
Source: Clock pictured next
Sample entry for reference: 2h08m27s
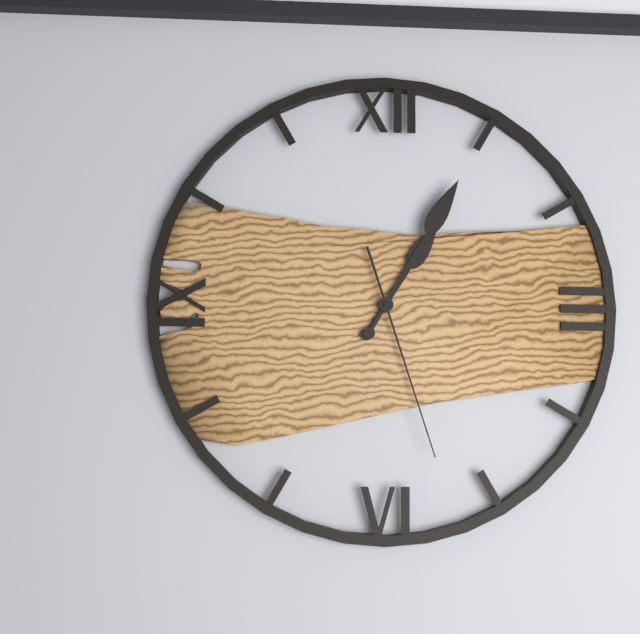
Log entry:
1h05m27s
